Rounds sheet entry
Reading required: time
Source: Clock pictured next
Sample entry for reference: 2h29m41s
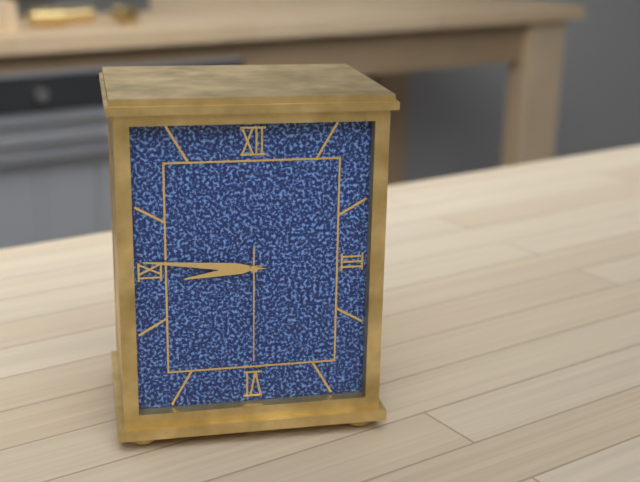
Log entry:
8h46m30s
